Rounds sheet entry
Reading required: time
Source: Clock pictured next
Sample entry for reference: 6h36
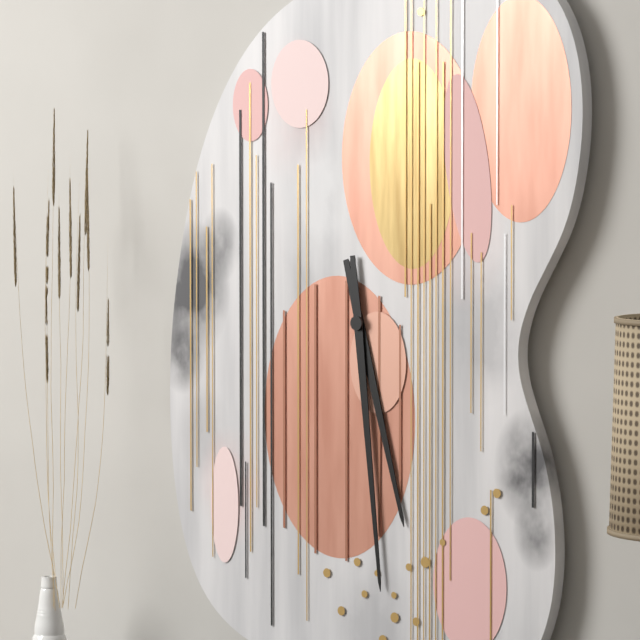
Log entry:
5h29
